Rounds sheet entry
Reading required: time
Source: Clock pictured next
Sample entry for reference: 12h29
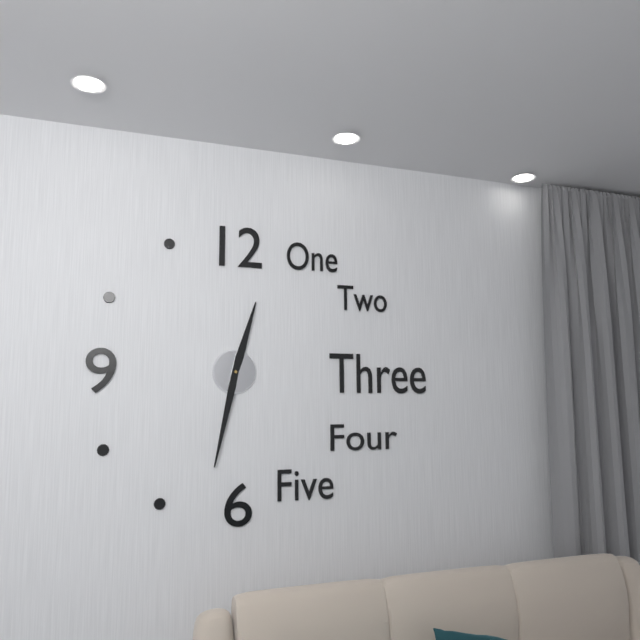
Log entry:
12h32
